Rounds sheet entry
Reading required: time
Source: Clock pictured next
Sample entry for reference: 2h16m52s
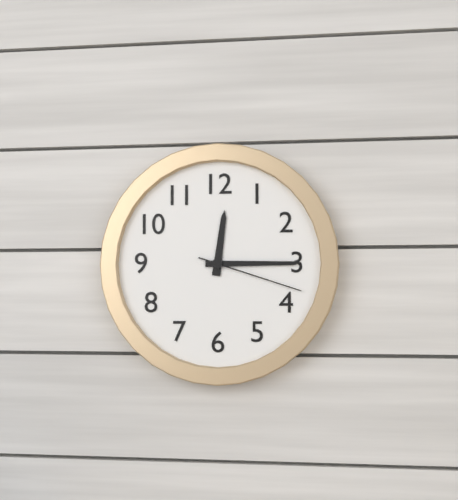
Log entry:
12h15m18s
